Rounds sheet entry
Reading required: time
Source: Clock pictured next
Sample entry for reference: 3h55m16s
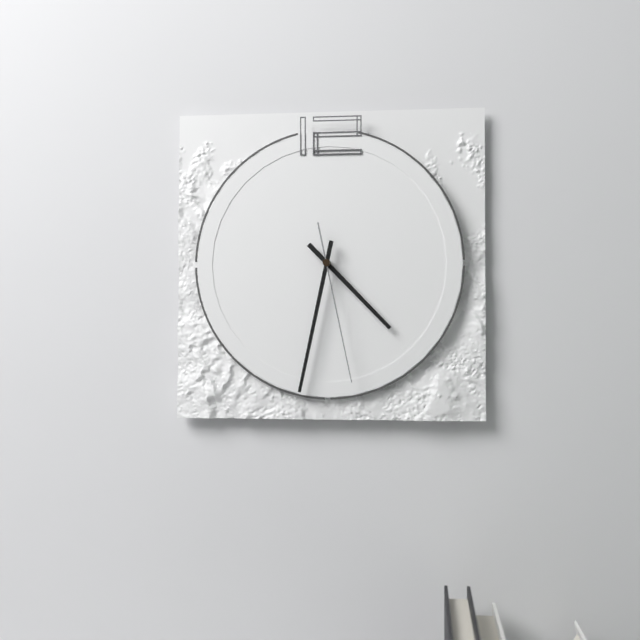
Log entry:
4h32m28s
